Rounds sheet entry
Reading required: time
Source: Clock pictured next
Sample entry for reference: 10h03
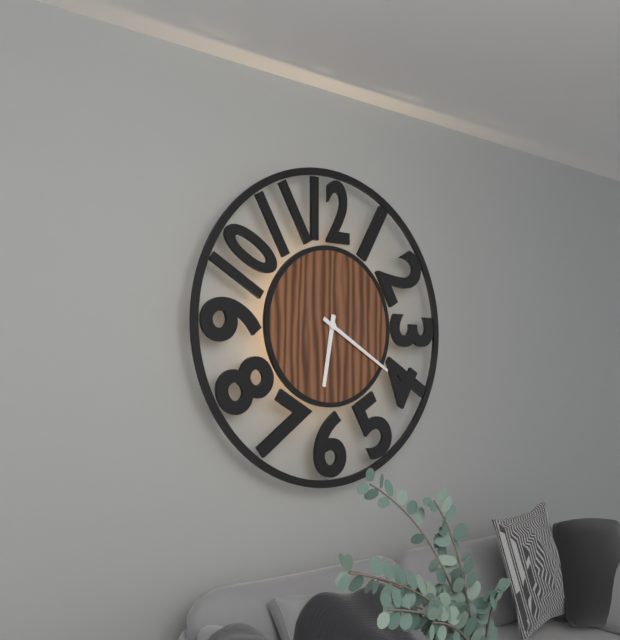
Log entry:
6h20
